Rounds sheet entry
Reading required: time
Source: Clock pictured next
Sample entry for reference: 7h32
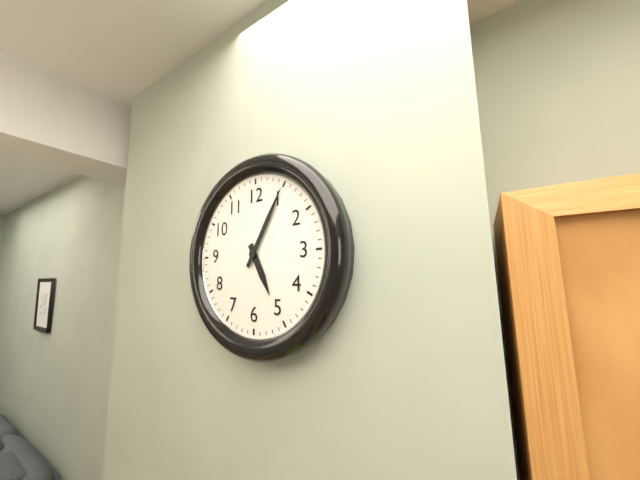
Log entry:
5h05
